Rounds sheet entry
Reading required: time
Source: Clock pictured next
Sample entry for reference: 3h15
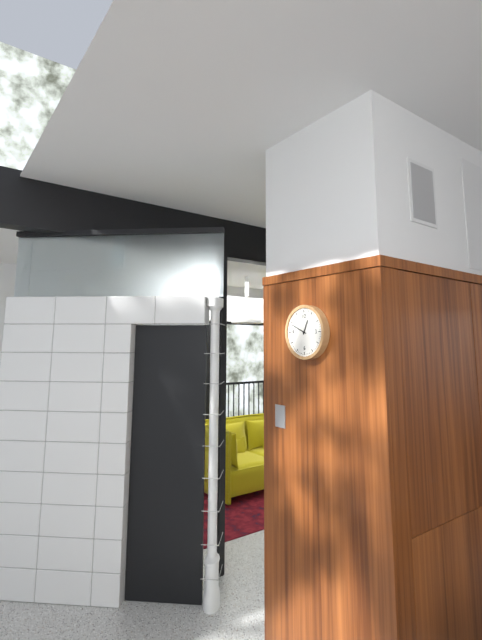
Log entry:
12h49
